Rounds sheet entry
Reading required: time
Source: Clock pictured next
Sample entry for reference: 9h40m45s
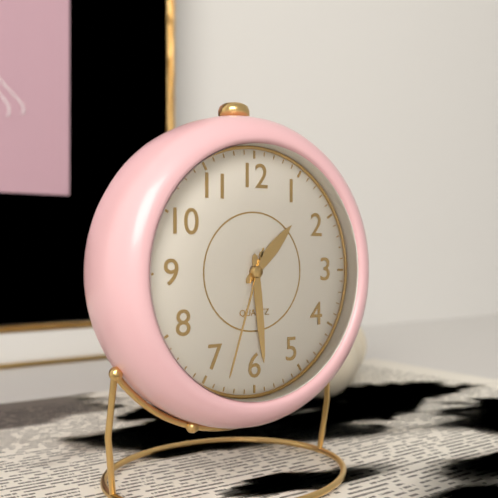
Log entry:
1h29m33s
